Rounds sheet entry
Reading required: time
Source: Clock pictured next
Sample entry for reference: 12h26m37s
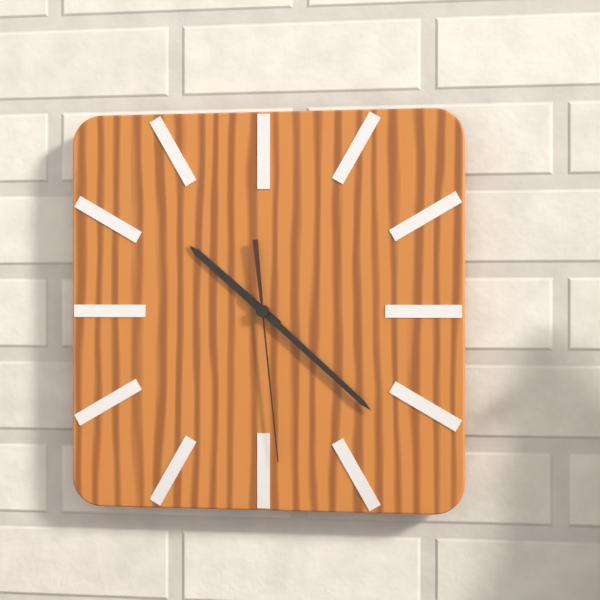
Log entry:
10h22m29s
